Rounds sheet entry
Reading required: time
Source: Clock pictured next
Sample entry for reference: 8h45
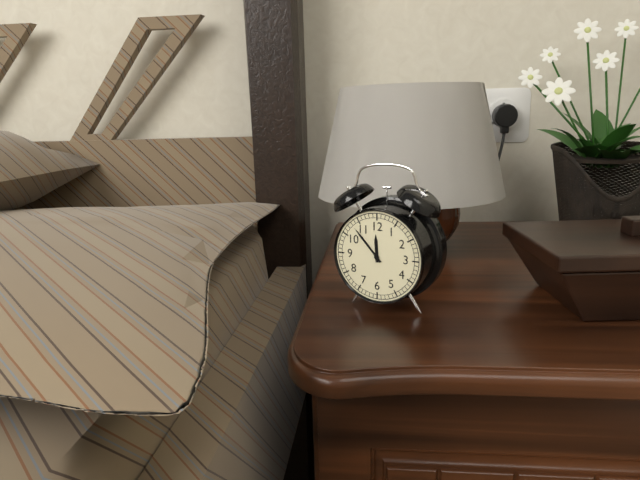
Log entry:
11h53
